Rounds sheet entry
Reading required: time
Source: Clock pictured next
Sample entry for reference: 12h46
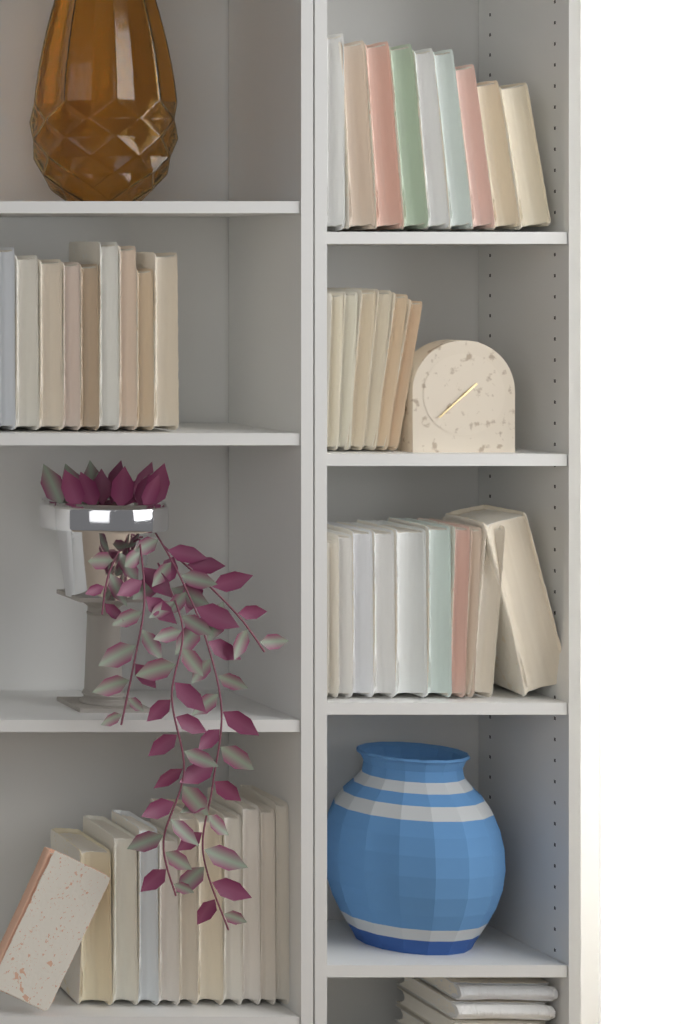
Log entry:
1h38
